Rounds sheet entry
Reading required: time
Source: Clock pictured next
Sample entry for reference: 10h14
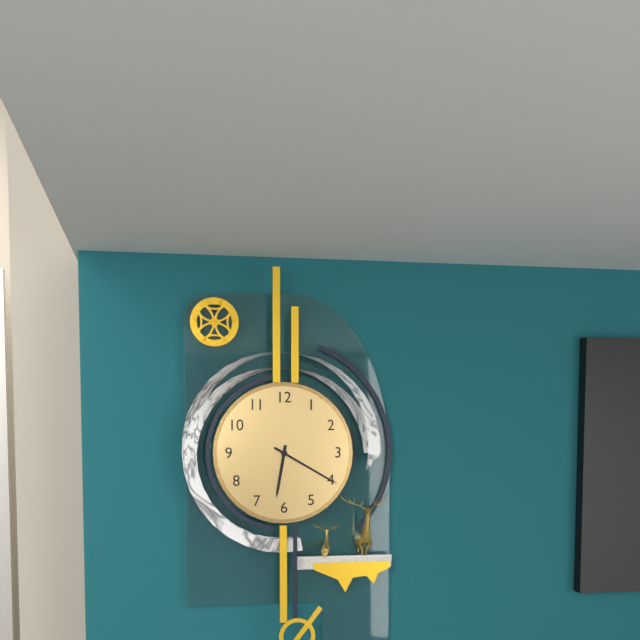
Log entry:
6h20
